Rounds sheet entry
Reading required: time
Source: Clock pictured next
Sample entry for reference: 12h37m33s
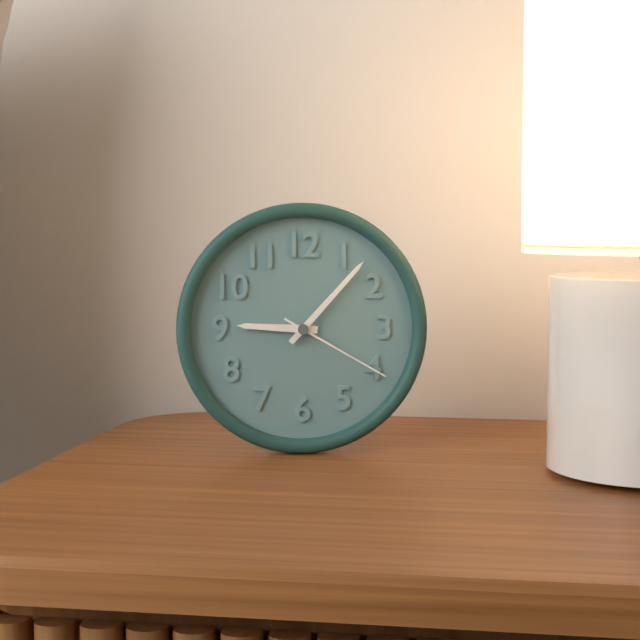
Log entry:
9h07m20s
